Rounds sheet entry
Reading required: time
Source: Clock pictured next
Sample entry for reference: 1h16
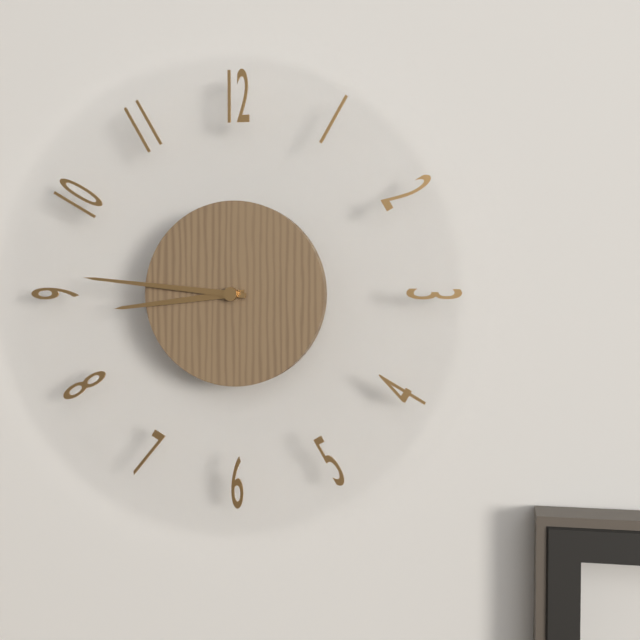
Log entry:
8h46
